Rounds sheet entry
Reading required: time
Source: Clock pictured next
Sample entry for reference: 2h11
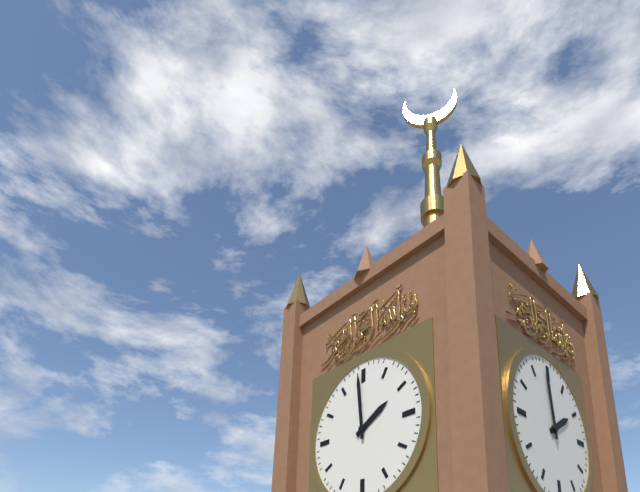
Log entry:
1h59
